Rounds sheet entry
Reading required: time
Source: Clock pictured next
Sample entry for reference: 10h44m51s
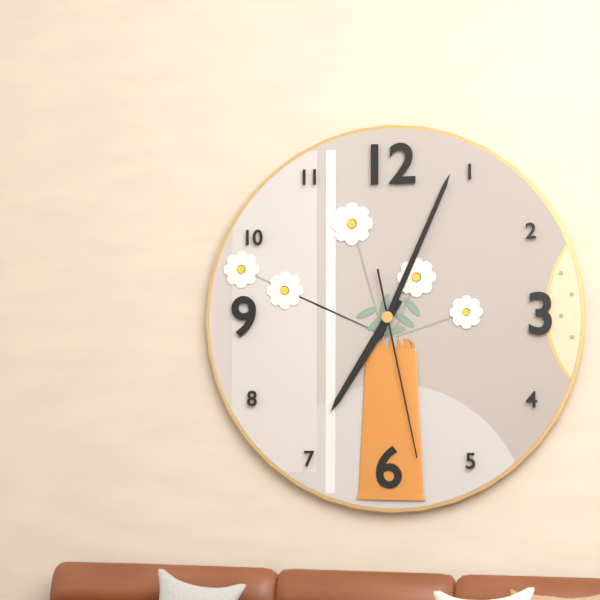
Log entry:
7h04m28s
